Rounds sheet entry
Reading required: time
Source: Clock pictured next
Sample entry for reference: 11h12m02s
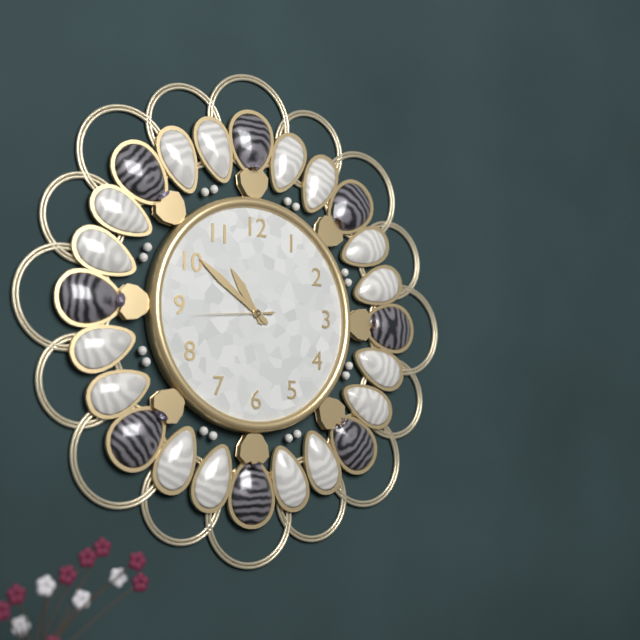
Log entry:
10h51m44s
